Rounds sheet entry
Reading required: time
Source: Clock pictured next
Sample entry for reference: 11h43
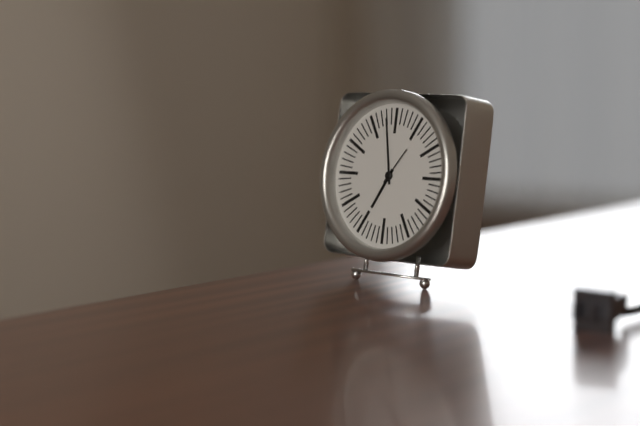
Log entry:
6h58
